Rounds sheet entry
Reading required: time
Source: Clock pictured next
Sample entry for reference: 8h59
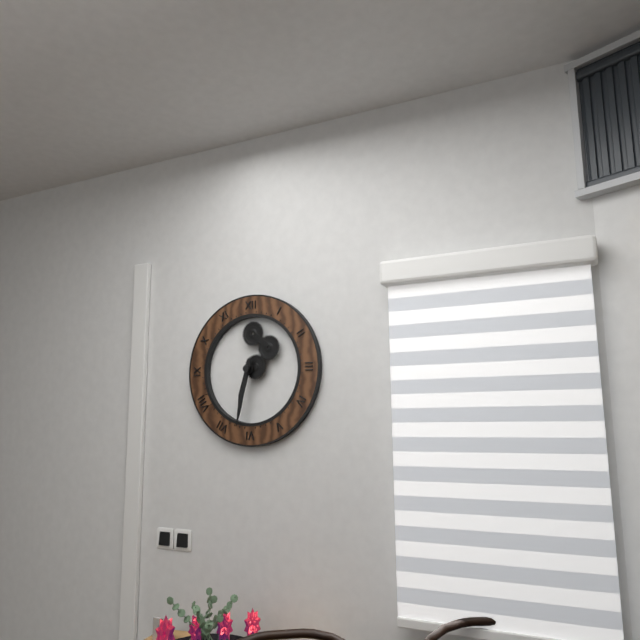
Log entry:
6h32
